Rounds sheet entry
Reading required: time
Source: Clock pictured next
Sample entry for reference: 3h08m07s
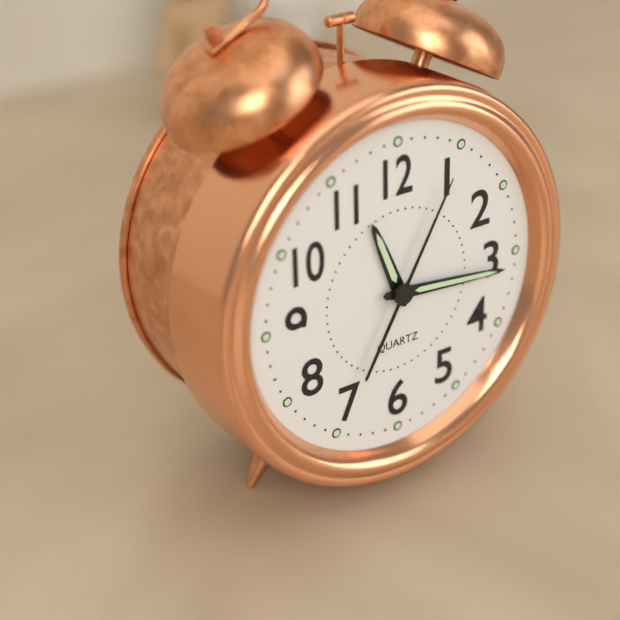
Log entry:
11h16m05s
